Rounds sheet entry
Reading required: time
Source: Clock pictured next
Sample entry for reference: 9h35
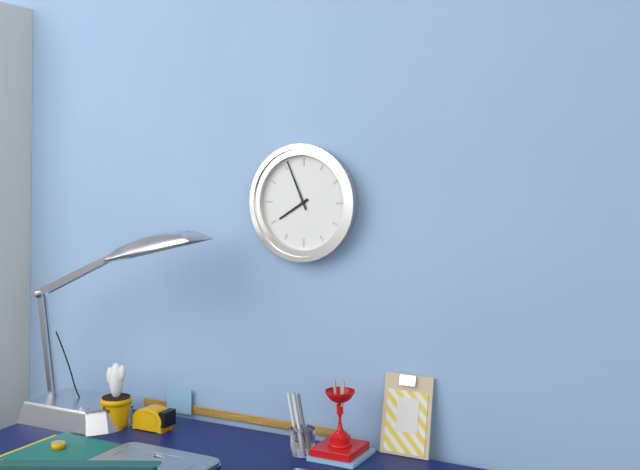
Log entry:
7h56
